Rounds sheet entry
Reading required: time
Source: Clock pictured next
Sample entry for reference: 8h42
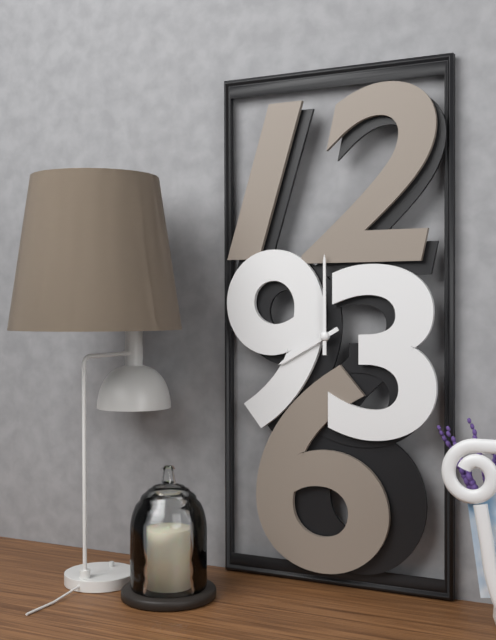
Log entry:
8h00
